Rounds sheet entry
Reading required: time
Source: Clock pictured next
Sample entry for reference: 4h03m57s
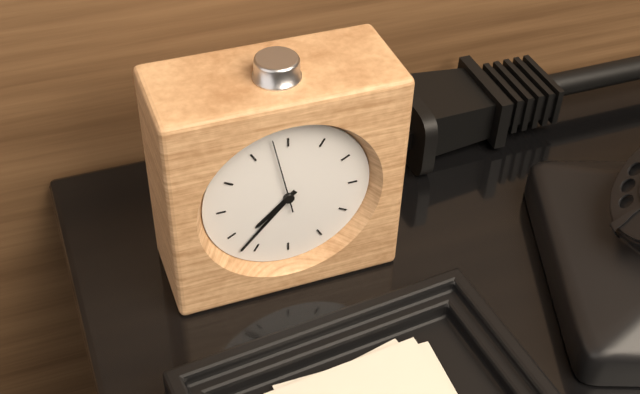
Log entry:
7h37m58s
